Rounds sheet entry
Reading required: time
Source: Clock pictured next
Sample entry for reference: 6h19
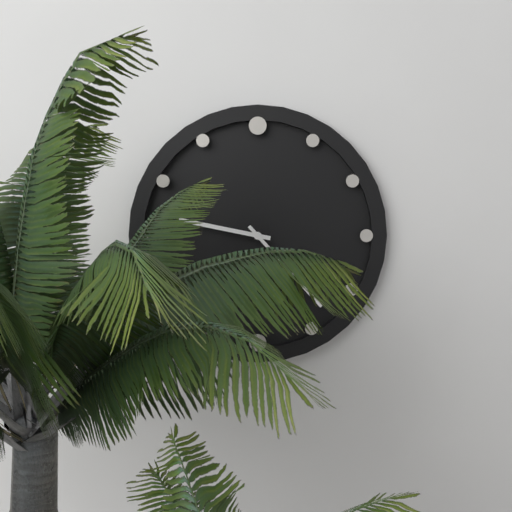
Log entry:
9h23
